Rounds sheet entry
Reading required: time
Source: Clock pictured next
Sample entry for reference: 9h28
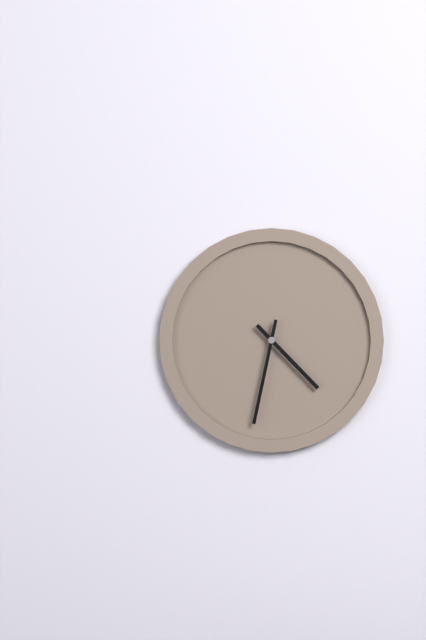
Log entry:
4h32
